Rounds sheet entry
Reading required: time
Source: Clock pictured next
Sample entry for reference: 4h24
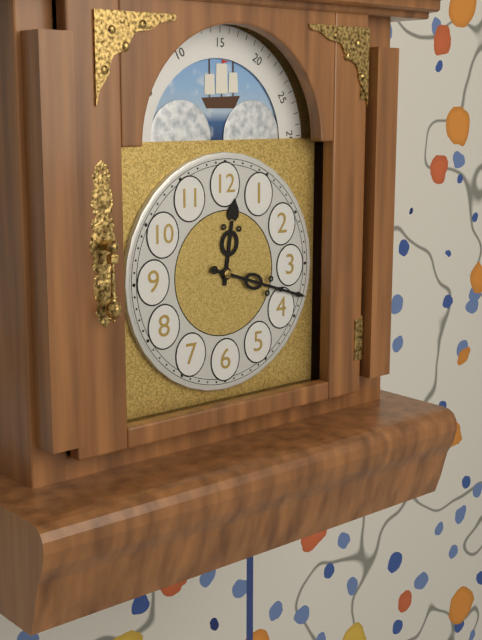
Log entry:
12h18
